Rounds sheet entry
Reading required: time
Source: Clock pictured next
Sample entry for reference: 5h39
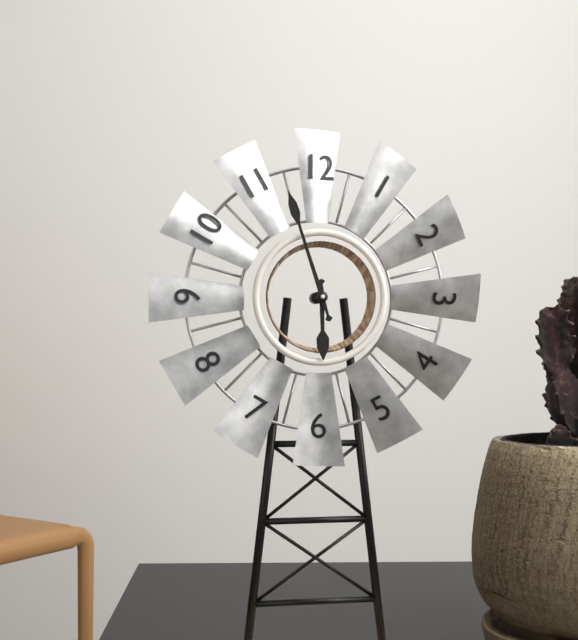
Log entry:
5h57
